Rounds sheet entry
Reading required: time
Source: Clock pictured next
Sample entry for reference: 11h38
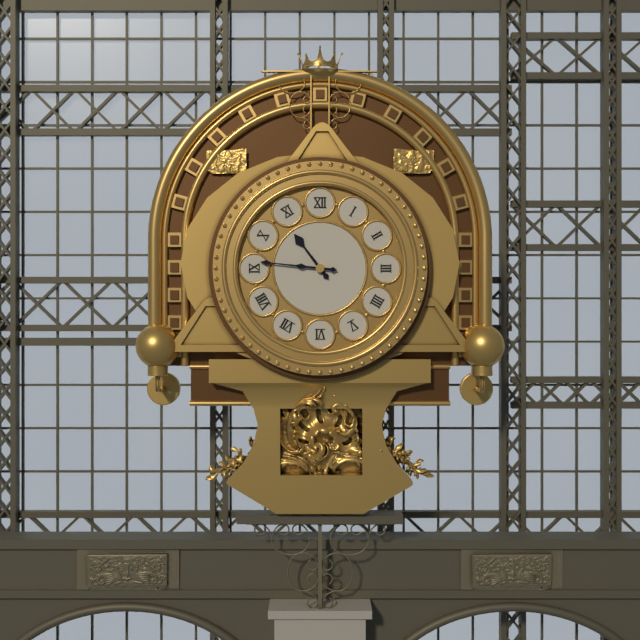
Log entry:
10h46
